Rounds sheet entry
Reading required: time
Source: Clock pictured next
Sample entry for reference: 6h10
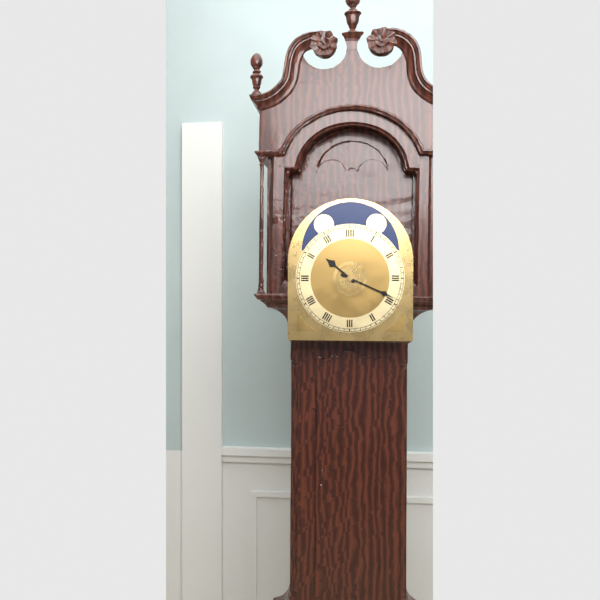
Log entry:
10h19
